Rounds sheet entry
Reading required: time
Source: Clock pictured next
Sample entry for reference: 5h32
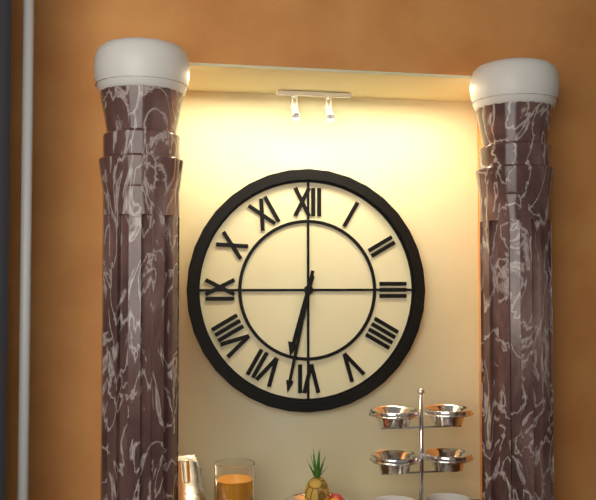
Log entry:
6h32
